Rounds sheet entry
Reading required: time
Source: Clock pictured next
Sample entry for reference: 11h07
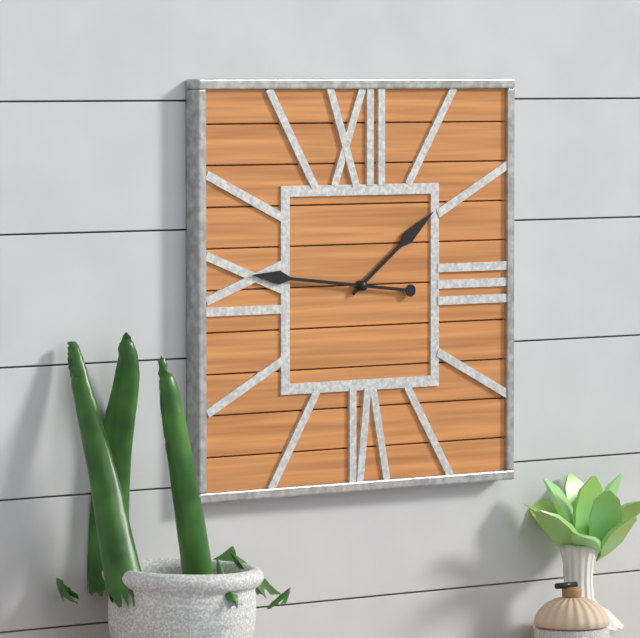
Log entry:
1h46
